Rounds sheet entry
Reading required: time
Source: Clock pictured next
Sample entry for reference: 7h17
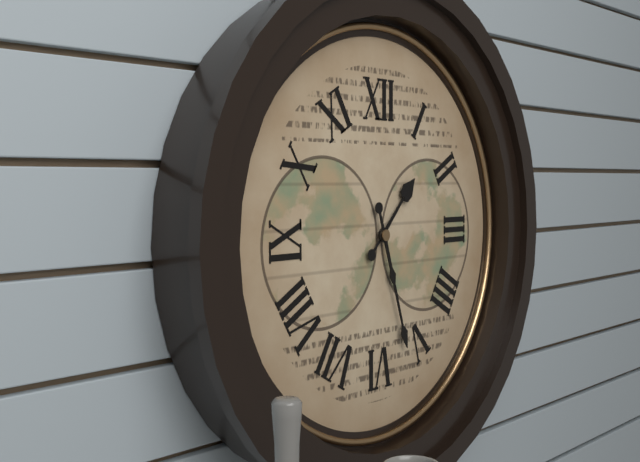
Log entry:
1h27
